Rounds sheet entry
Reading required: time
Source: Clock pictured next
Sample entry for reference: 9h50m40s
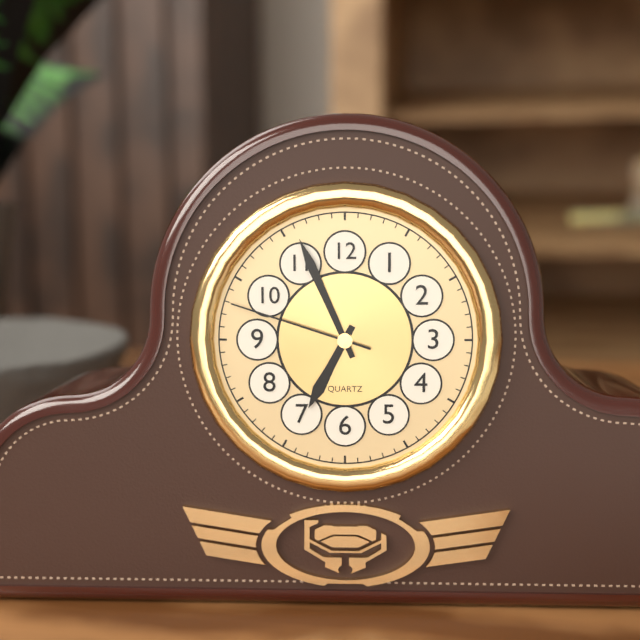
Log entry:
6h56m48s
